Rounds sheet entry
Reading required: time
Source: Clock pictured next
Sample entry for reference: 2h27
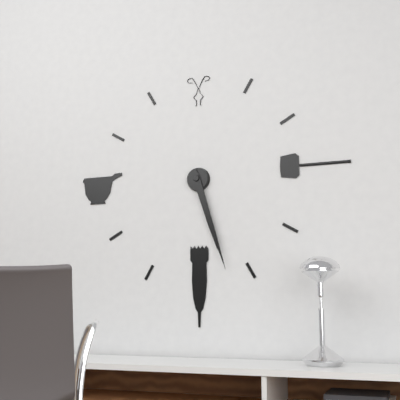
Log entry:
5h27
